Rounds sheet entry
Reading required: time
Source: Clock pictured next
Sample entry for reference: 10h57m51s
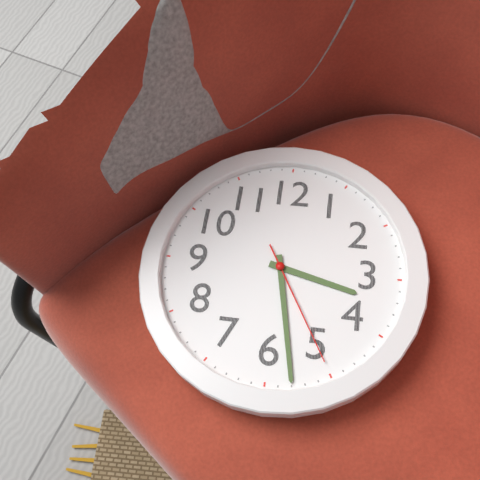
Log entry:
3h28m25s
